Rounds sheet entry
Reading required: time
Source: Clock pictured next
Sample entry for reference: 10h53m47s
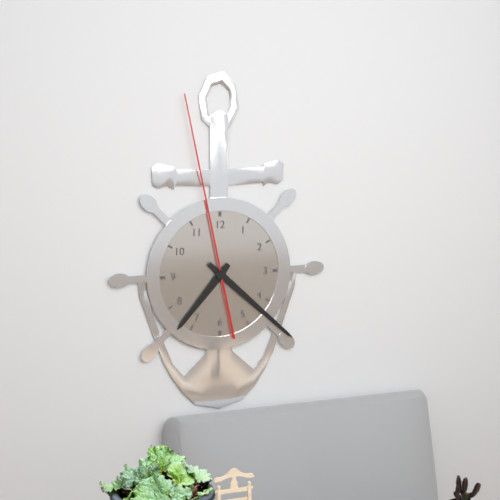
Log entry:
7h22m58s
